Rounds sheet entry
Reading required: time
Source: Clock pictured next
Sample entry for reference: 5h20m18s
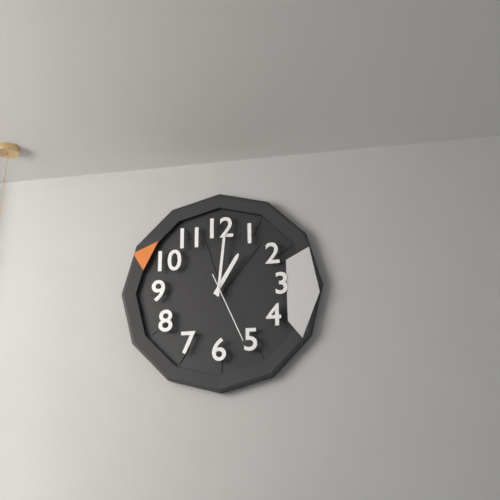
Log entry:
1h01m26s
